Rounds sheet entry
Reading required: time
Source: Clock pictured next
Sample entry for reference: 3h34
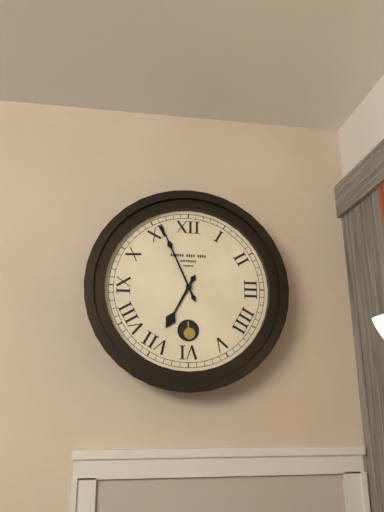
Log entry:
6h56
